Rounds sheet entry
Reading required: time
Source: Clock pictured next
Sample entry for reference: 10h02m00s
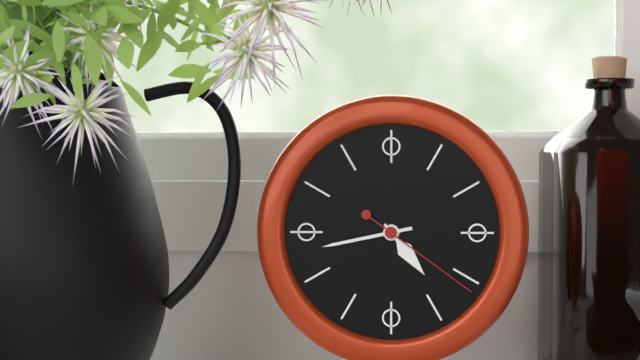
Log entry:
4h43m21s
